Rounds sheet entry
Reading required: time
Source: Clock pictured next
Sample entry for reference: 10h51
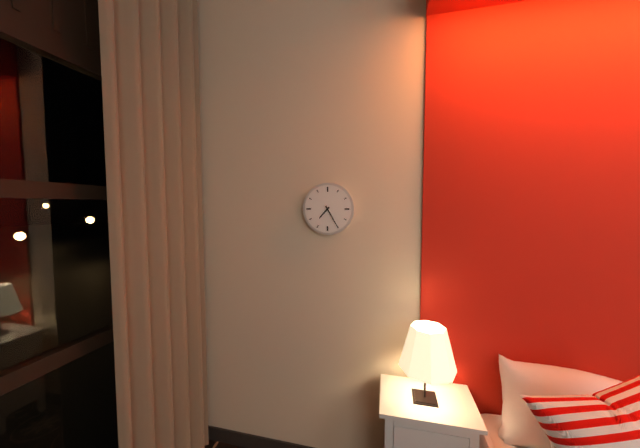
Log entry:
7h25
